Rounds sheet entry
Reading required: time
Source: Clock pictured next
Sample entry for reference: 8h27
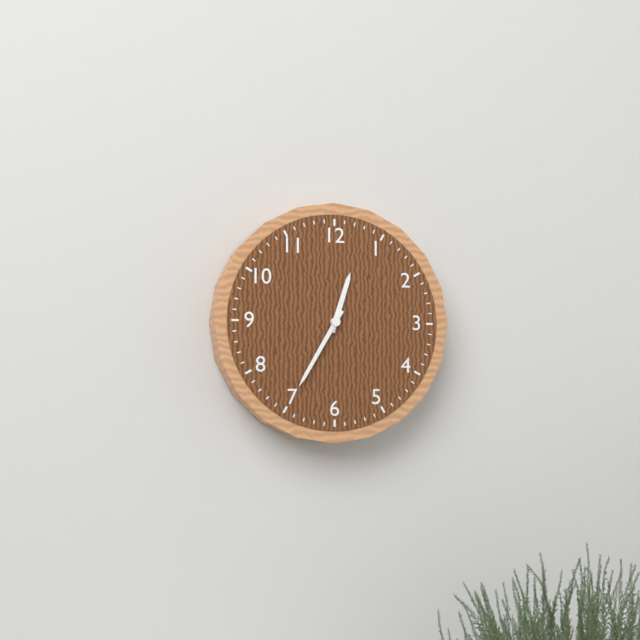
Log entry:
12h35
